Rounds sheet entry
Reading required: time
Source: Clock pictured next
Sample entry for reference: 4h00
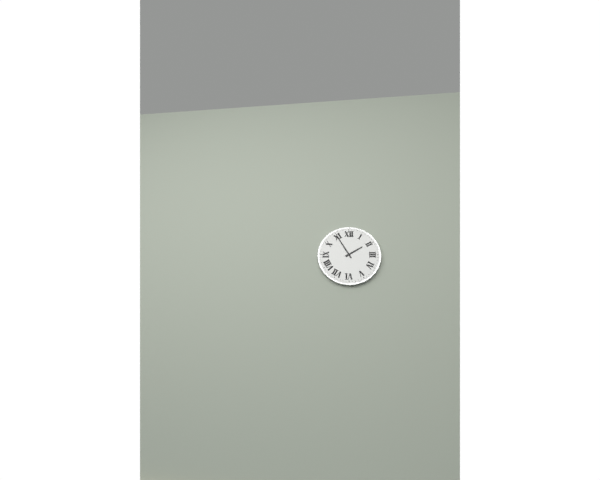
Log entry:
1h55
